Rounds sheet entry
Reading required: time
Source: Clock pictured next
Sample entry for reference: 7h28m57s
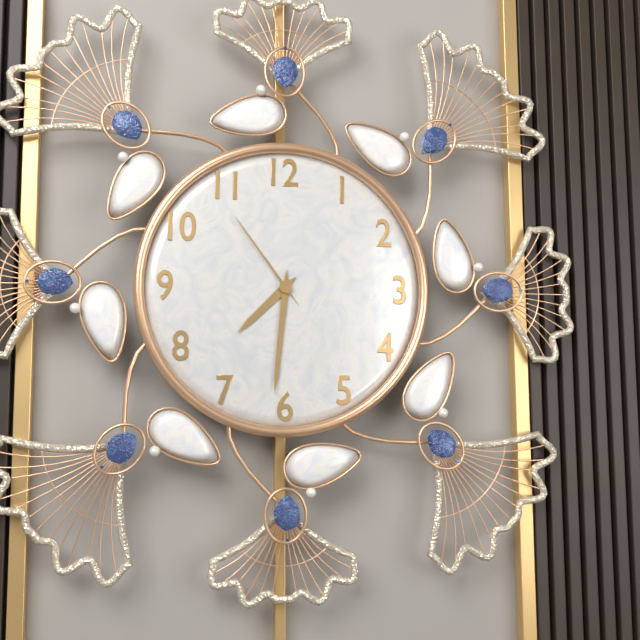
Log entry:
7h31m54s
